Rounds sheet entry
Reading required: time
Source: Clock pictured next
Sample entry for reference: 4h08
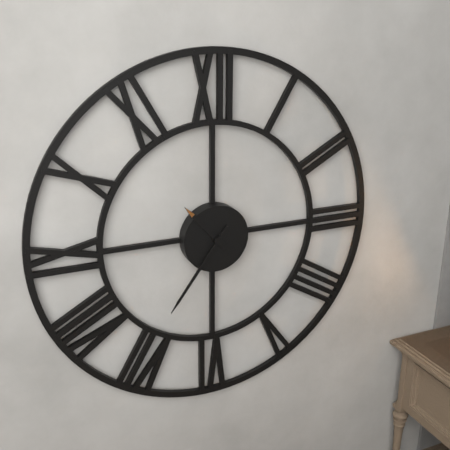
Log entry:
10h36
